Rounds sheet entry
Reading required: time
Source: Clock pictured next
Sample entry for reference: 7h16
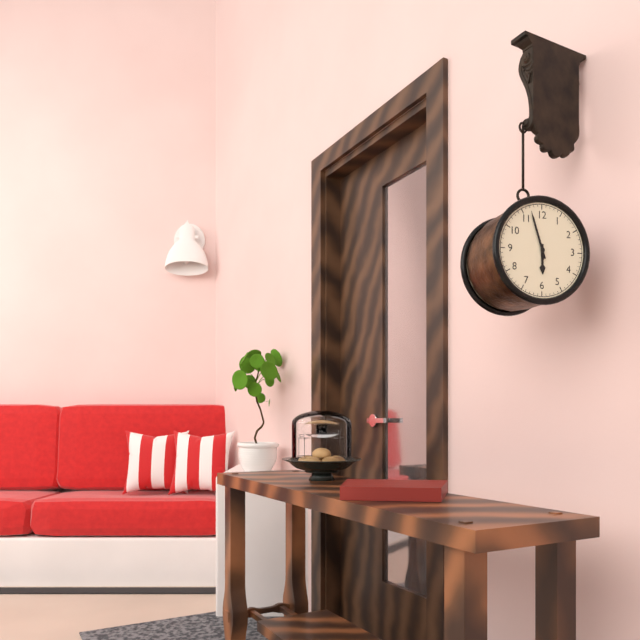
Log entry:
5h57
